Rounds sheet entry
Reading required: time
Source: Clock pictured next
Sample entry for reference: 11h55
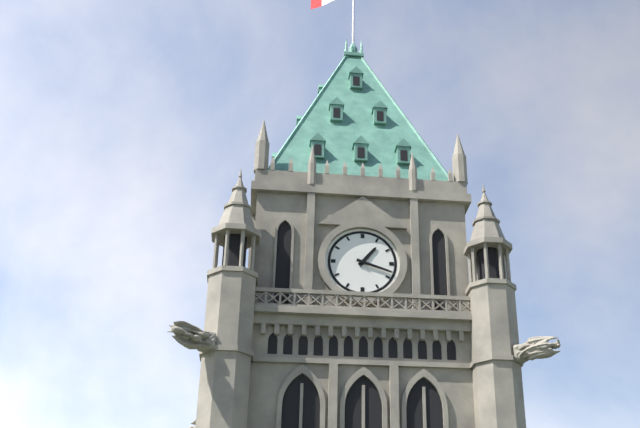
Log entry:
1h18
